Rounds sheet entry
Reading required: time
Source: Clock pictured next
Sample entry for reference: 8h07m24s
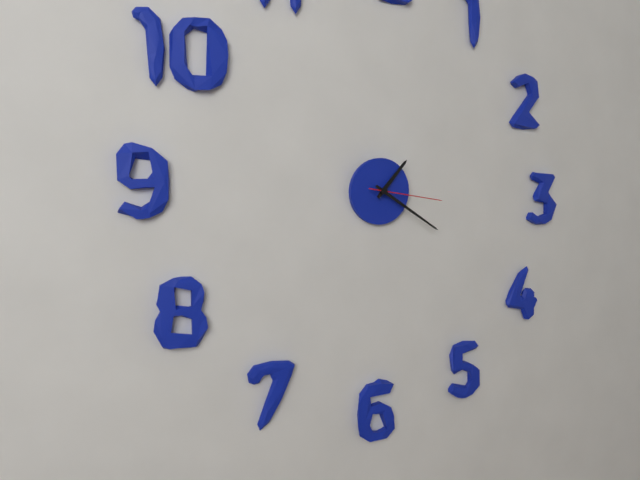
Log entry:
1h20m16s
